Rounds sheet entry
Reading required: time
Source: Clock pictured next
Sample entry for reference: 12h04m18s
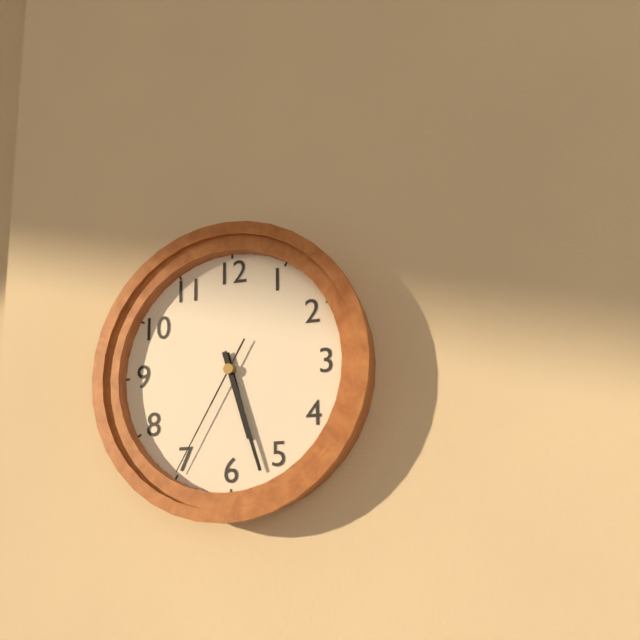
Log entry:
5h27m35s
